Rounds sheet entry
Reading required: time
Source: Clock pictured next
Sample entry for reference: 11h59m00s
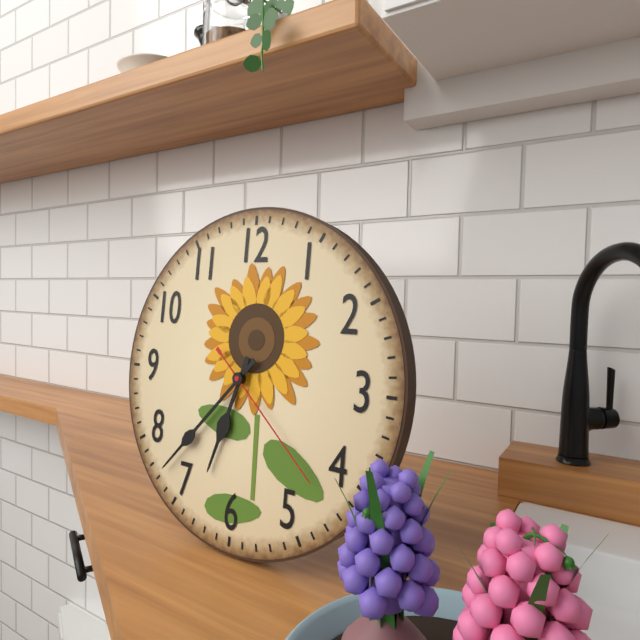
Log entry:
6h37m22s
